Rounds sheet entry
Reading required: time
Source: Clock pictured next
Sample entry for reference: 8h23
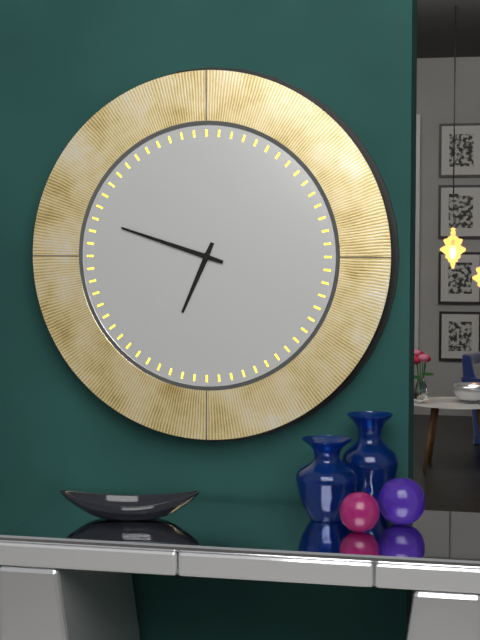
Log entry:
6h48
